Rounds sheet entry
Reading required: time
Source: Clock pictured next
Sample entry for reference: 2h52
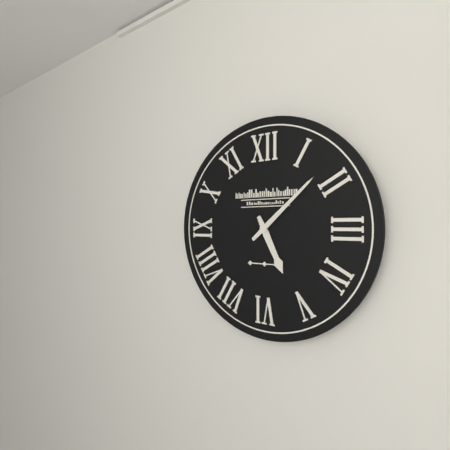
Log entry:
5h08
